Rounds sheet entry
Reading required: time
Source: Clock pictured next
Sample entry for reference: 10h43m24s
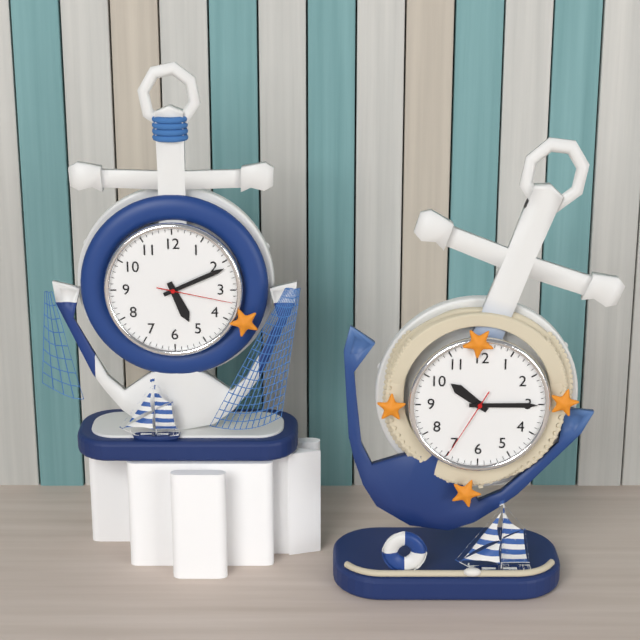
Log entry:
5h11m17s
